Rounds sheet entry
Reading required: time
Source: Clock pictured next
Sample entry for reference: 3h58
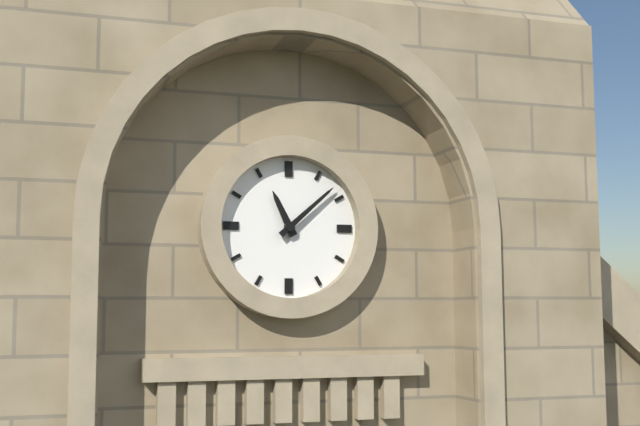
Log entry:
11h08
